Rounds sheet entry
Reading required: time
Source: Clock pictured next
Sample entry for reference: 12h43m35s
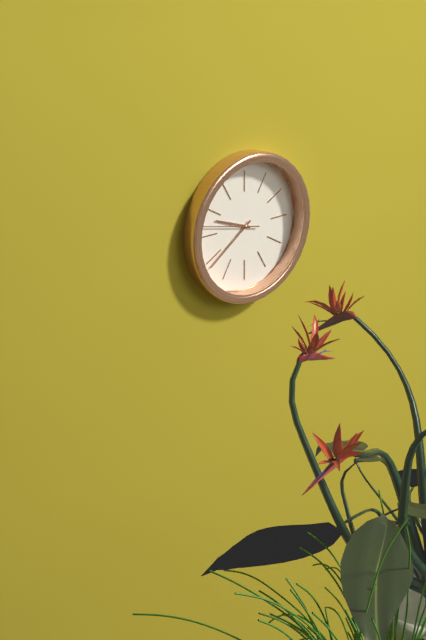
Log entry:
9h39m47s
